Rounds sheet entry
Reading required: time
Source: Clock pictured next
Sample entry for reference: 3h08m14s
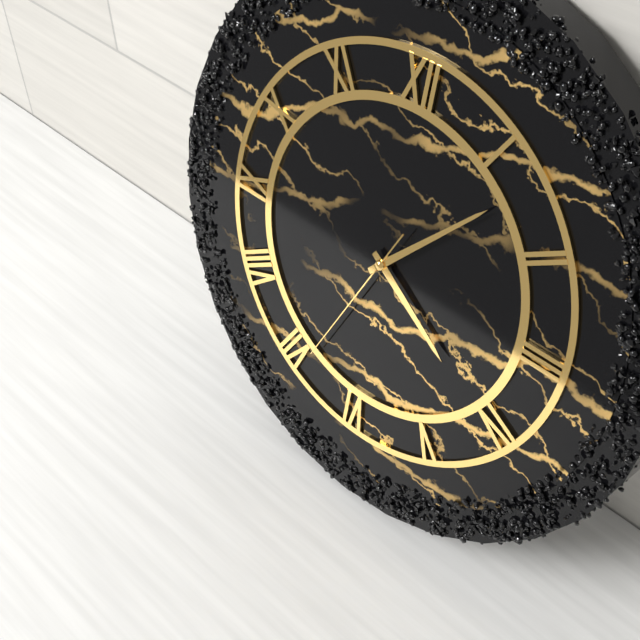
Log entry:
4h07m34s
